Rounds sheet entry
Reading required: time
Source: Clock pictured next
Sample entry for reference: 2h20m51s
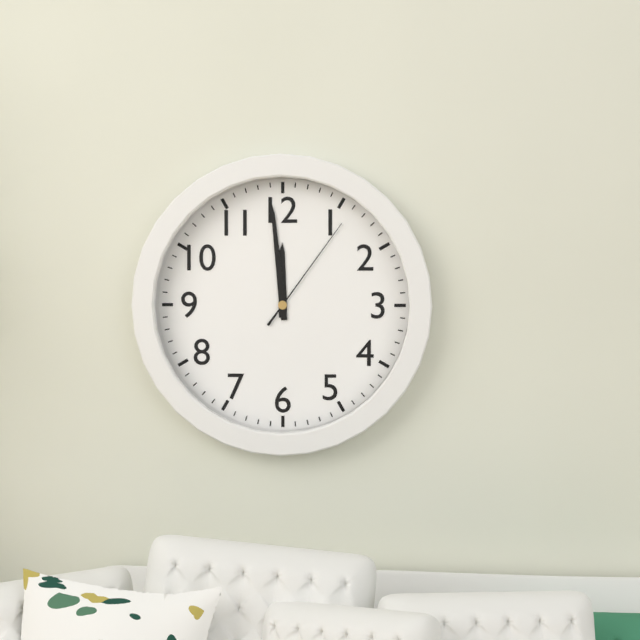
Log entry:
11h59m06s
